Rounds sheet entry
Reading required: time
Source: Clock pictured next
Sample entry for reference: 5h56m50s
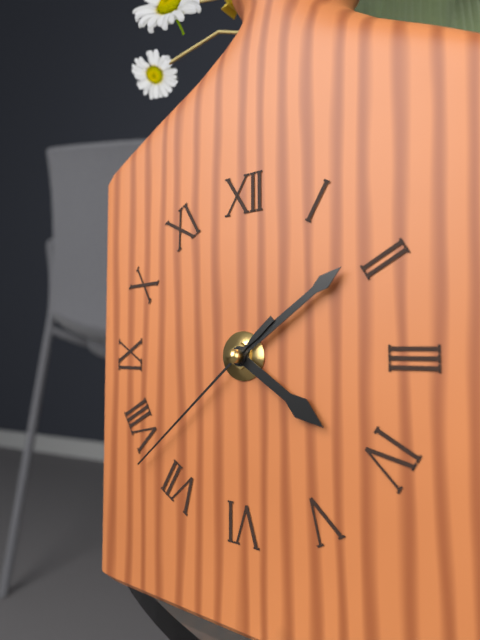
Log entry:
4h09m38s
